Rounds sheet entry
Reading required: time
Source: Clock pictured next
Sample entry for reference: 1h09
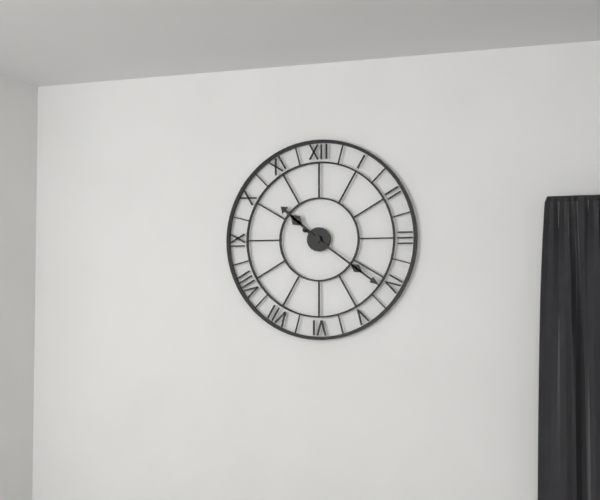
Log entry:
10h21
